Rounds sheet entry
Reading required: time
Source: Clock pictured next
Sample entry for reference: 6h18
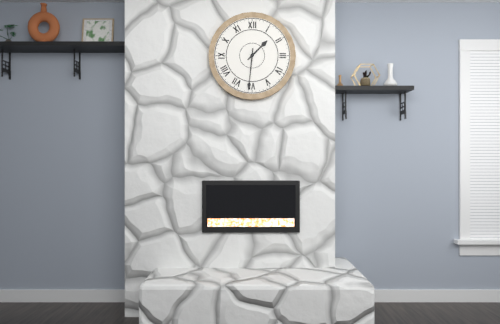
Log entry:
1h31
